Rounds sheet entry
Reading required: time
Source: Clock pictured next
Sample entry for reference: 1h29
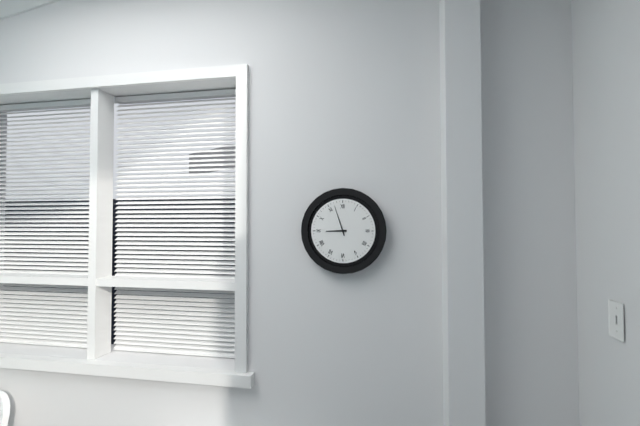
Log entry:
8h57
